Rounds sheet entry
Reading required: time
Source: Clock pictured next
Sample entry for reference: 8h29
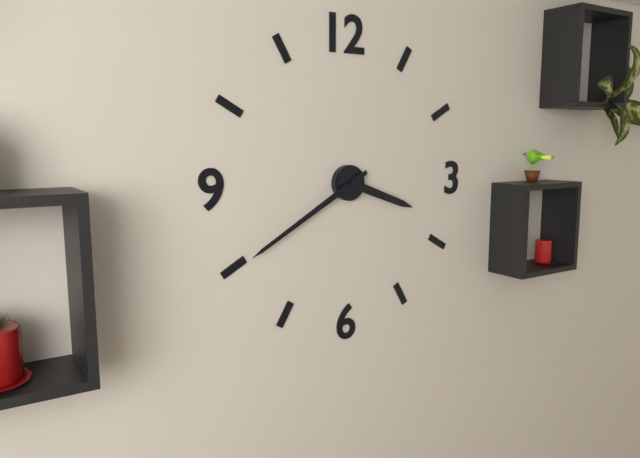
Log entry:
3h40
